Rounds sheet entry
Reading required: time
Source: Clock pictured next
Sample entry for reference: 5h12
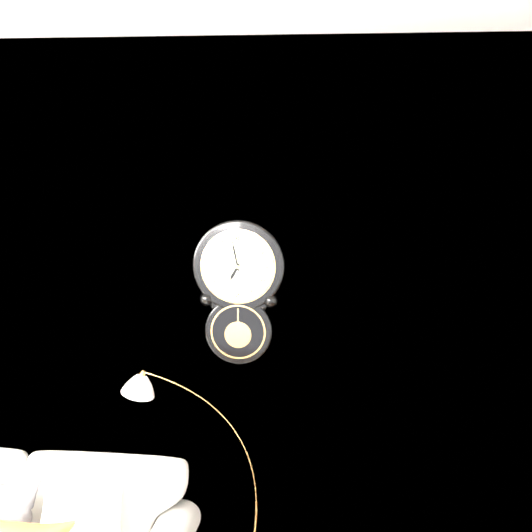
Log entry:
6h58
